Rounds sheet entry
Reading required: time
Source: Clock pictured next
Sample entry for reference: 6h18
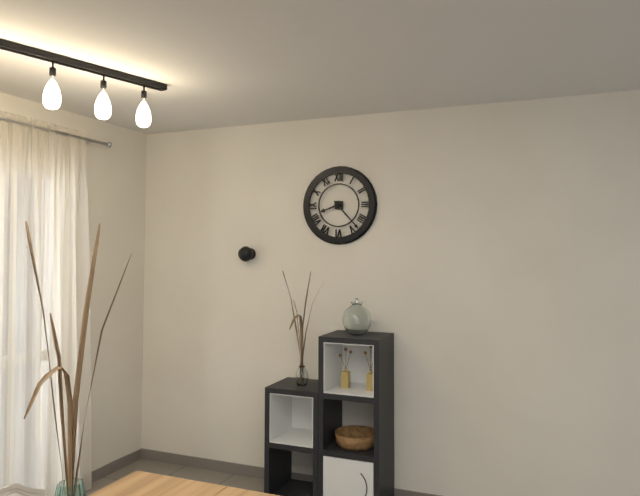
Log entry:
8h23
